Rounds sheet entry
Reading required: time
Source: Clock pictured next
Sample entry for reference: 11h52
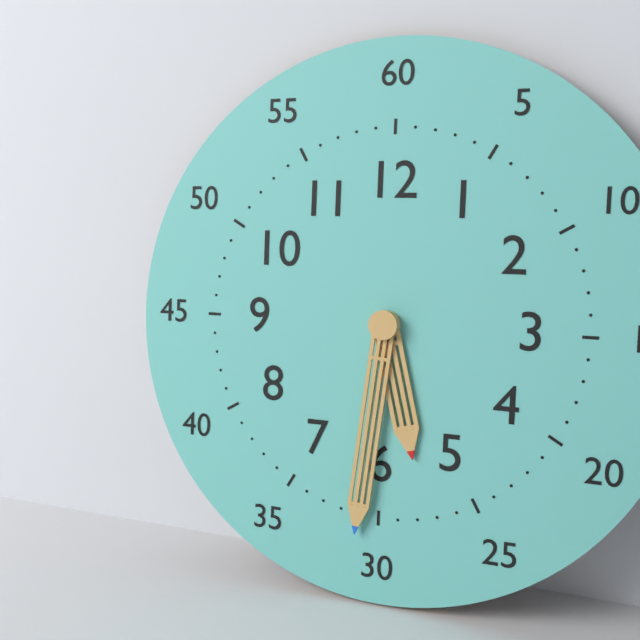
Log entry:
5h31
